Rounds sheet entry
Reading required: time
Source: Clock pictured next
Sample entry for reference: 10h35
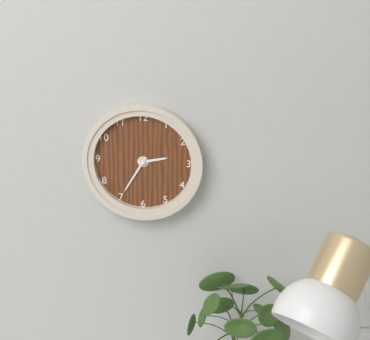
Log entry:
2h35
